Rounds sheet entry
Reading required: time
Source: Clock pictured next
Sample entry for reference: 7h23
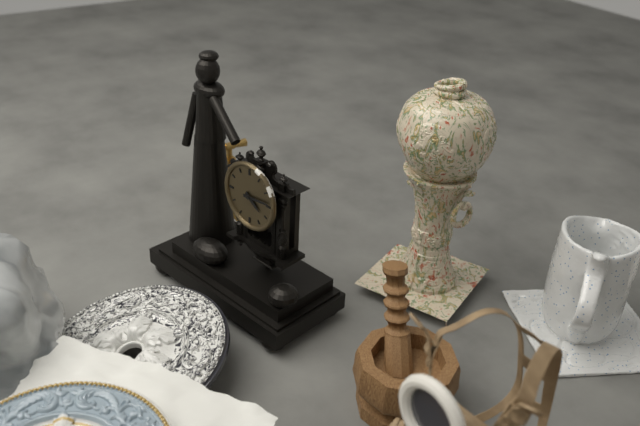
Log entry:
4h14
